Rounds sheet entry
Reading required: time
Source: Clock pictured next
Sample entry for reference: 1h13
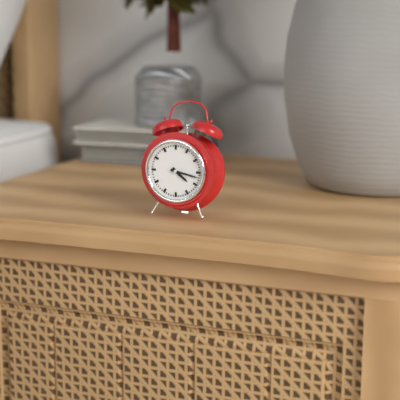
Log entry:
4h17
